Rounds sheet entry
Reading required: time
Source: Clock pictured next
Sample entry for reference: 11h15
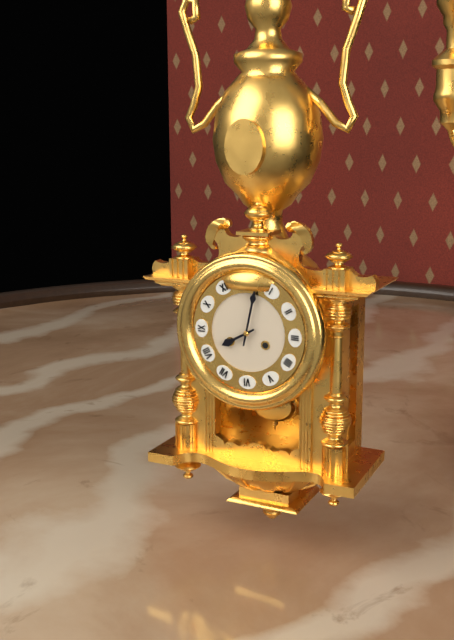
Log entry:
8h02
